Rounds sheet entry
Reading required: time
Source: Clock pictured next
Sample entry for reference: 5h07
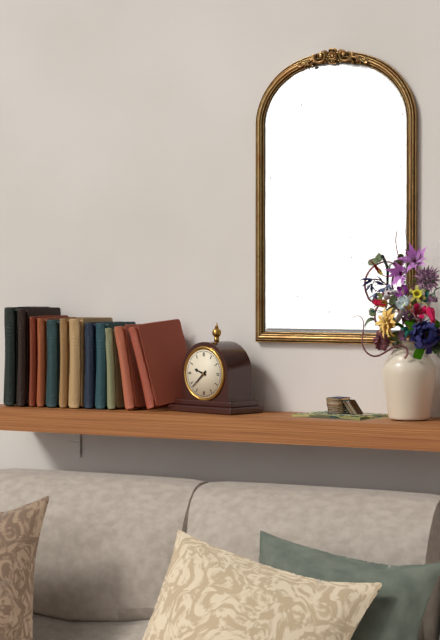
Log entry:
9h38
